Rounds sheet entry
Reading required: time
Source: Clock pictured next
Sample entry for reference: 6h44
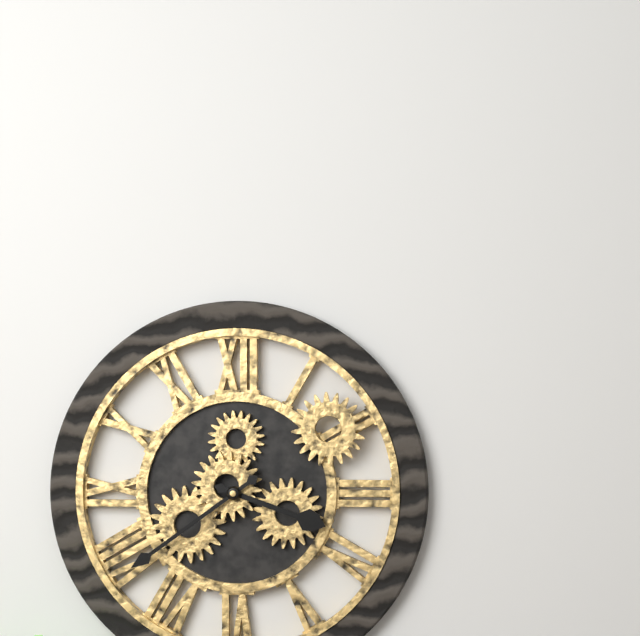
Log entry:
3h39
